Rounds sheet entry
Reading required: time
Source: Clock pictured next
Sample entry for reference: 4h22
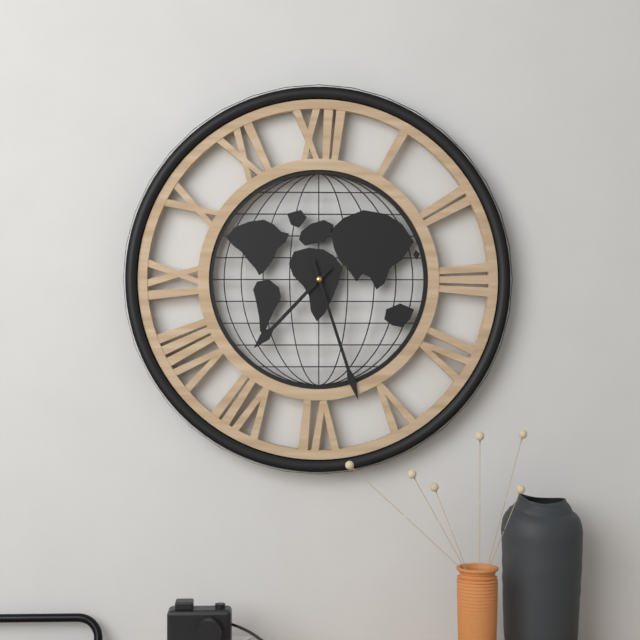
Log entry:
7h27
